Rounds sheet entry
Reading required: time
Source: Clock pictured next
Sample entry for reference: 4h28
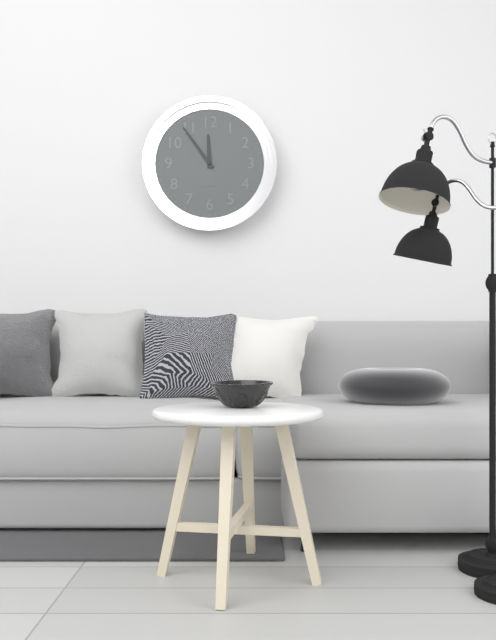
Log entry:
11h54
